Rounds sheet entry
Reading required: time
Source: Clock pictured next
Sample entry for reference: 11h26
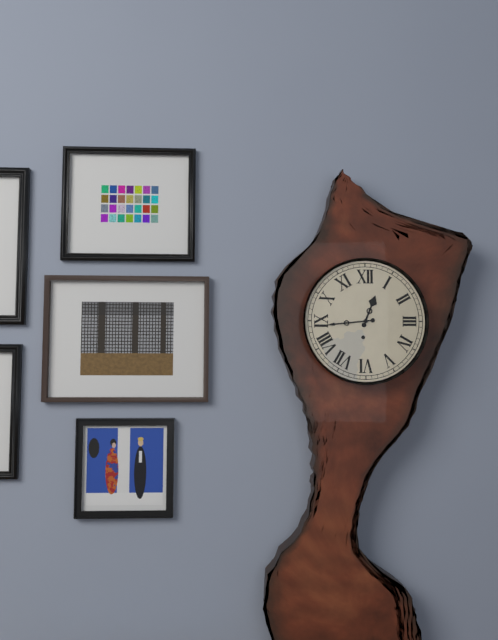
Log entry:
12h44
